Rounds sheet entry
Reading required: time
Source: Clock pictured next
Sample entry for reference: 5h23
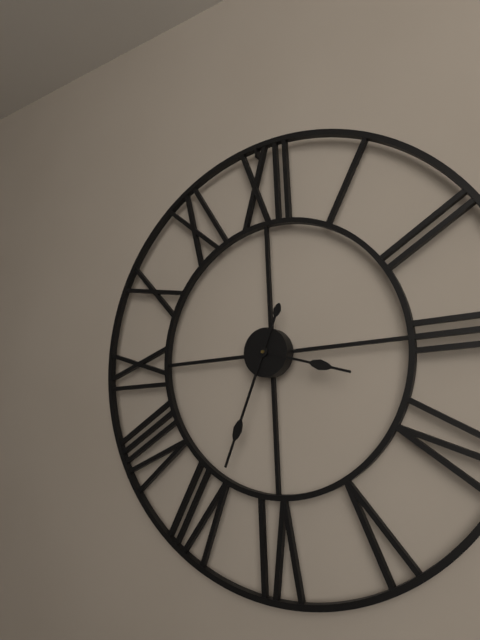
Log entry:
3h34
